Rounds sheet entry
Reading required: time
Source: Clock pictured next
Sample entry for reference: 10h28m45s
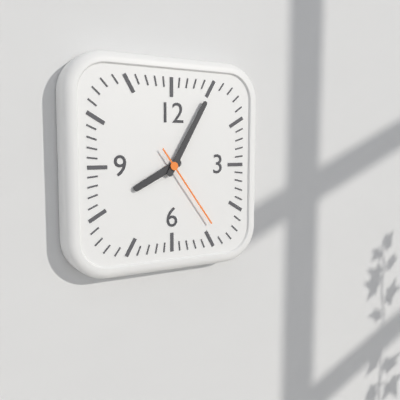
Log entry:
8h05m24s
